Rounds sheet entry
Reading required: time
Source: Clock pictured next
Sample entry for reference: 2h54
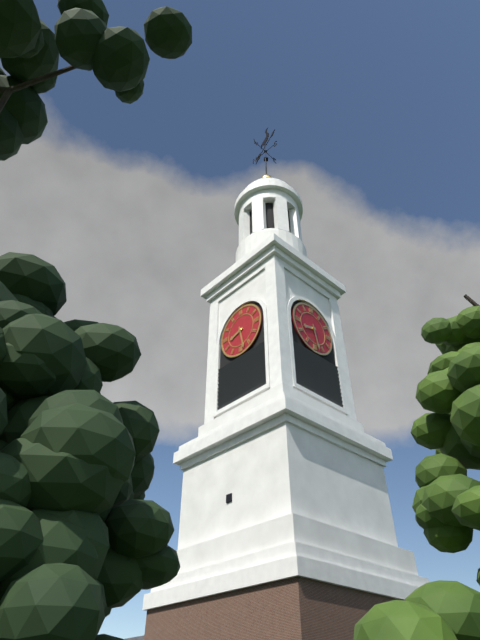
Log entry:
8h28
